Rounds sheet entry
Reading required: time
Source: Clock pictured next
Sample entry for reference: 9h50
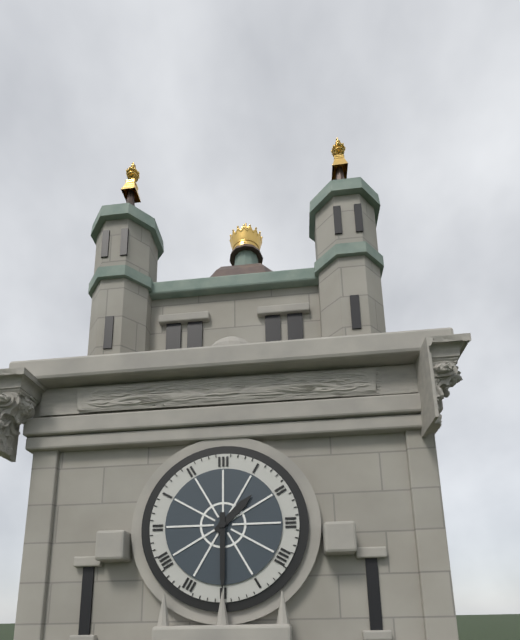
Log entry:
1h30
